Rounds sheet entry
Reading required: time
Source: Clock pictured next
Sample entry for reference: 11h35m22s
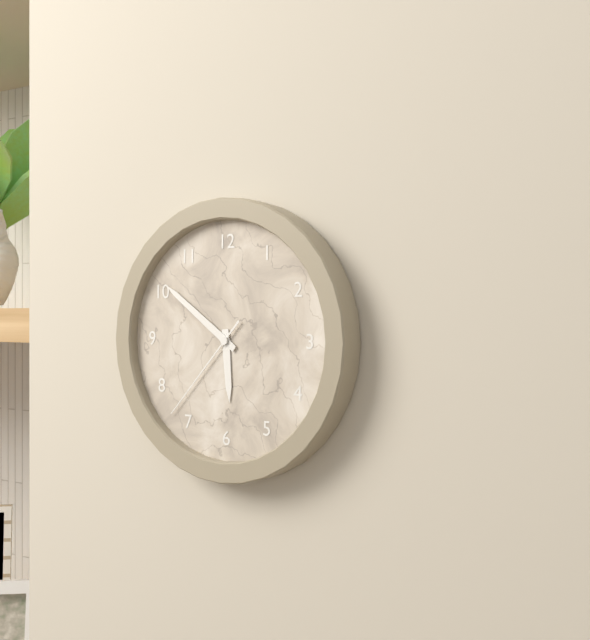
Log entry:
5h51m37s
